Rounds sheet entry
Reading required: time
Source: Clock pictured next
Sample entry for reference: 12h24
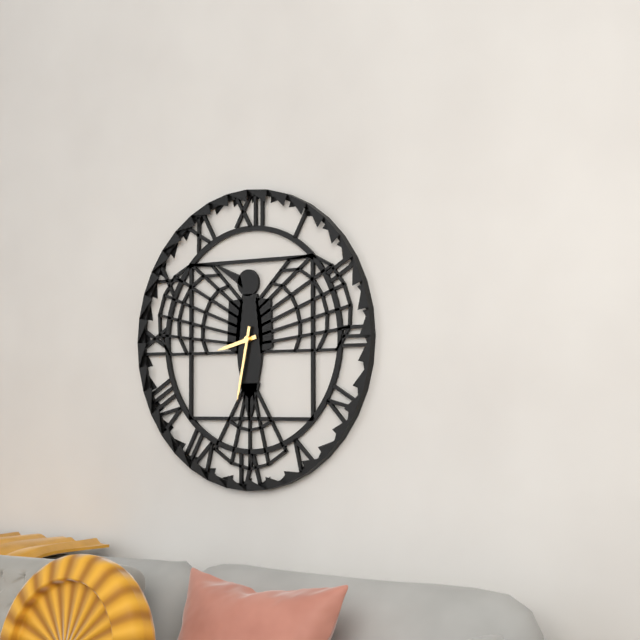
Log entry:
8h32
